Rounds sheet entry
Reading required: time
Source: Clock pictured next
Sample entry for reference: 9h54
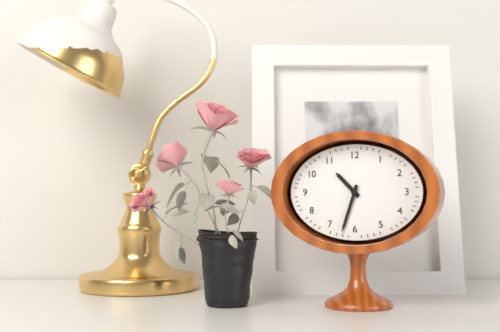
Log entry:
10h33
